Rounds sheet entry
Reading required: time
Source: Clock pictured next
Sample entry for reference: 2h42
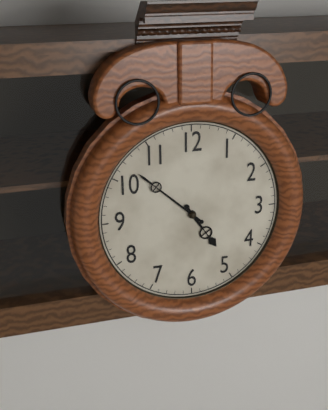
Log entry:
4h52
